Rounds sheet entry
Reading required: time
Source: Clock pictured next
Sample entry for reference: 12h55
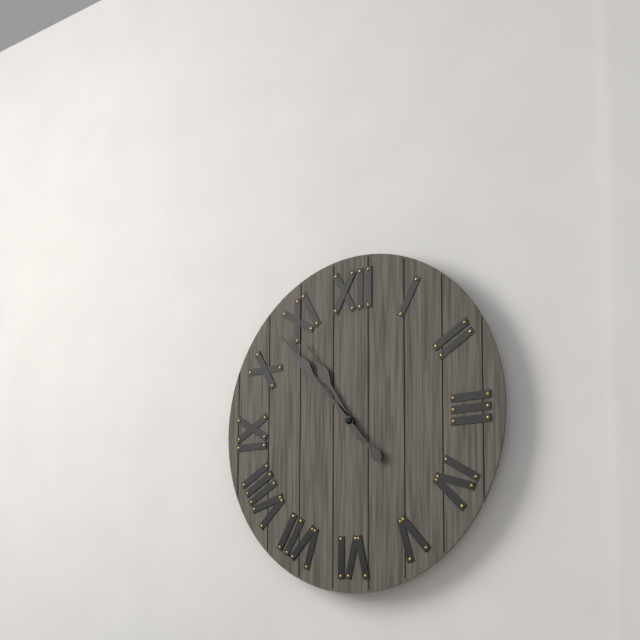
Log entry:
10h53
